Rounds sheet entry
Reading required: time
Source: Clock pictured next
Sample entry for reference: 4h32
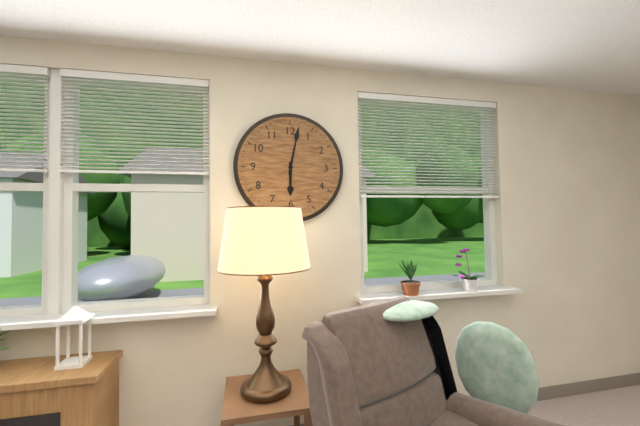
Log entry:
6h02
